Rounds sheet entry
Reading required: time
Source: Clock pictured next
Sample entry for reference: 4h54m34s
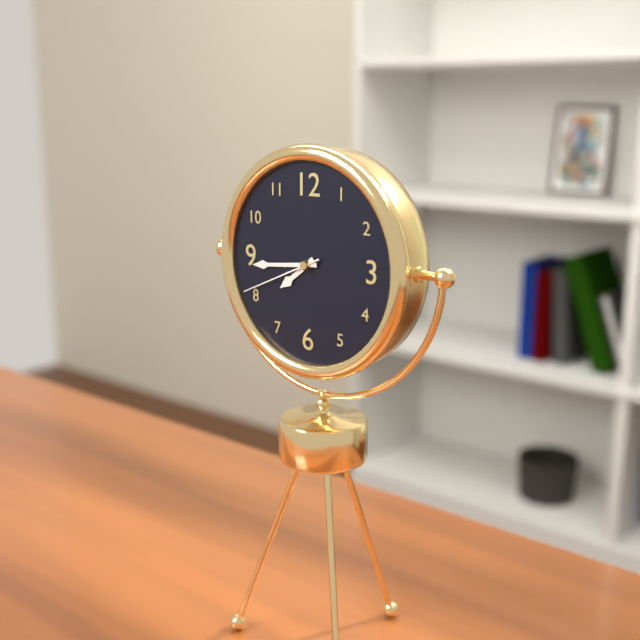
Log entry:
7h44m41s
